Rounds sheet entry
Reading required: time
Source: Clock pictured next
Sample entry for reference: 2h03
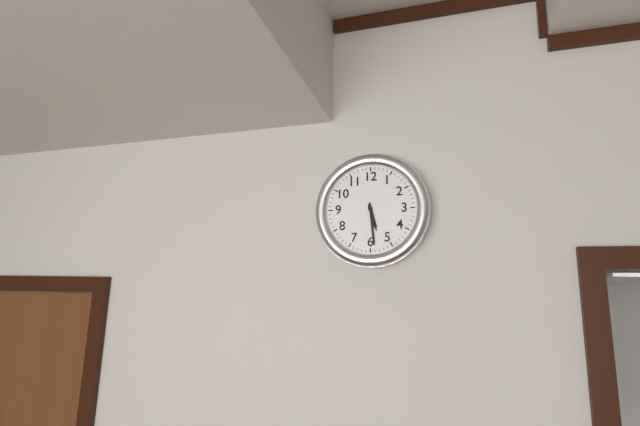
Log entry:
5h29
